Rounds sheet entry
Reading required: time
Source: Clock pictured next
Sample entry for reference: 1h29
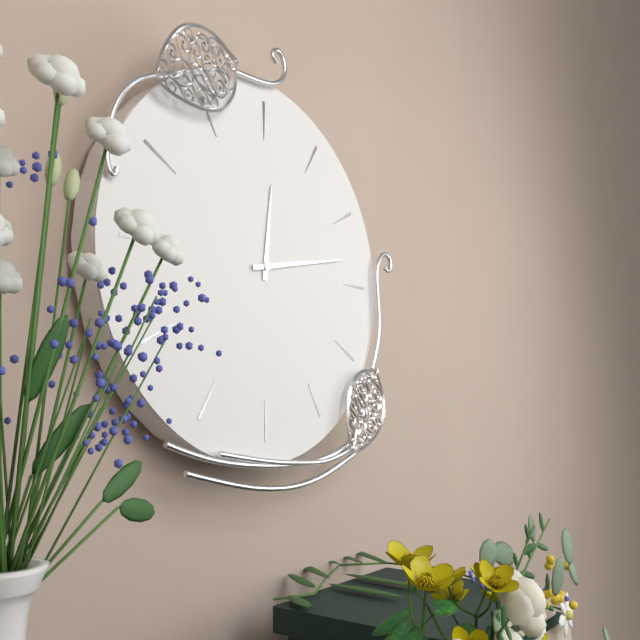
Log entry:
12h13
